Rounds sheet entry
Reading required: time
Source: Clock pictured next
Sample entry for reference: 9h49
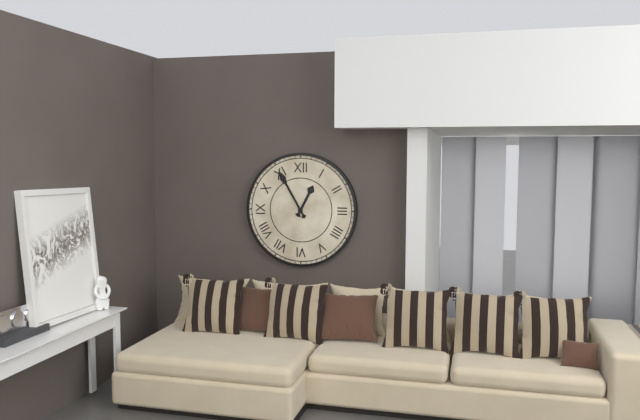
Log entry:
12h55
